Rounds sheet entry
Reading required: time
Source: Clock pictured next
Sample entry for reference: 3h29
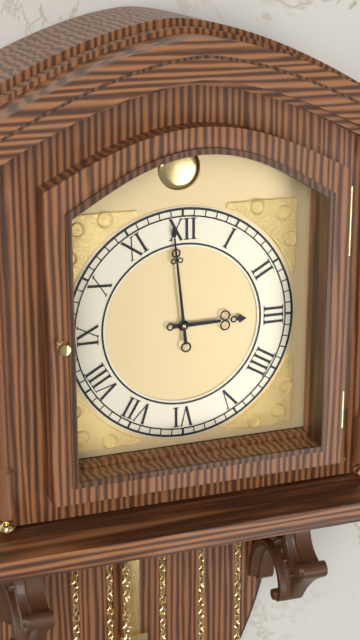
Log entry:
2h59
